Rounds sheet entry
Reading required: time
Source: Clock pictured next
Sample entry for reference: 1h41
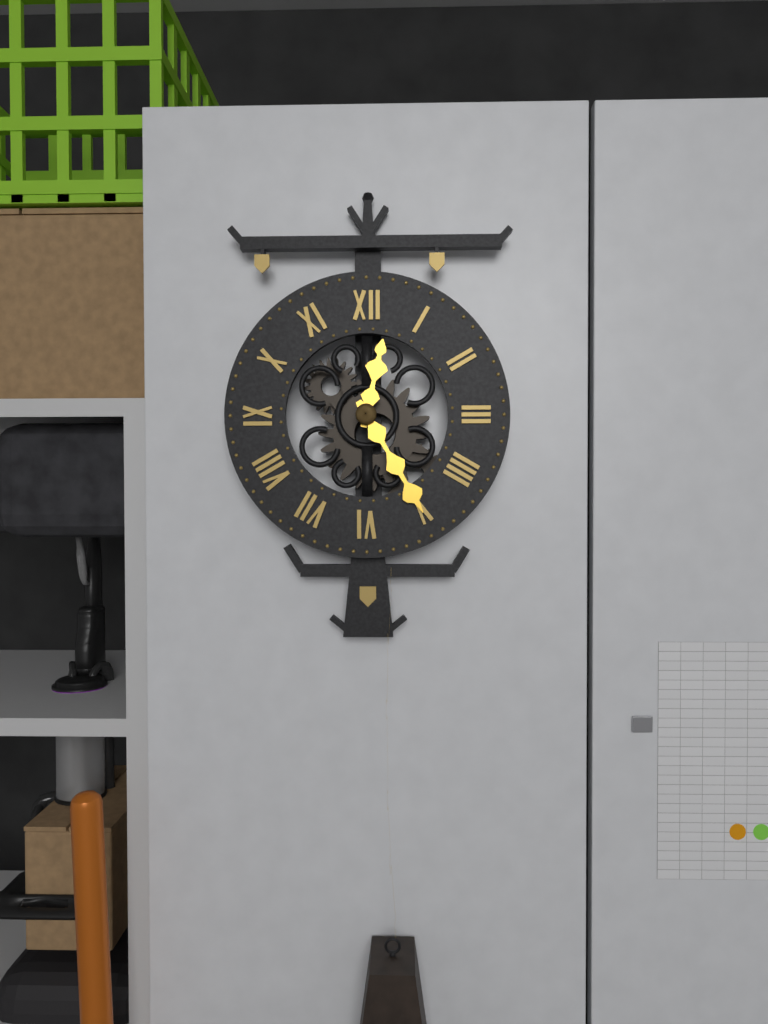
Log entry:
12h25
